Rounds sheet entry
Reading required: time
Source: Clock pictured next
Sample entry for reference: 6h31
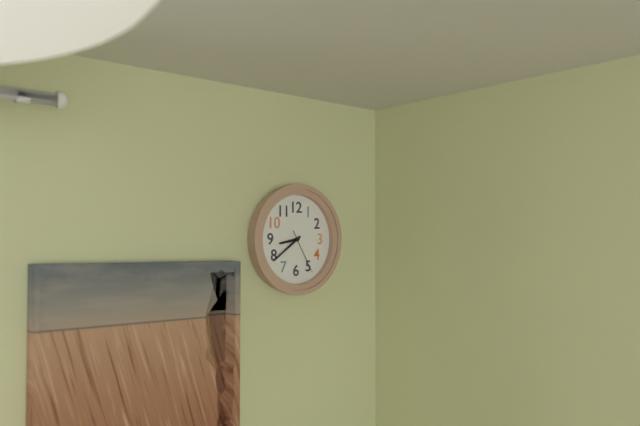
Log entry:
8h39
